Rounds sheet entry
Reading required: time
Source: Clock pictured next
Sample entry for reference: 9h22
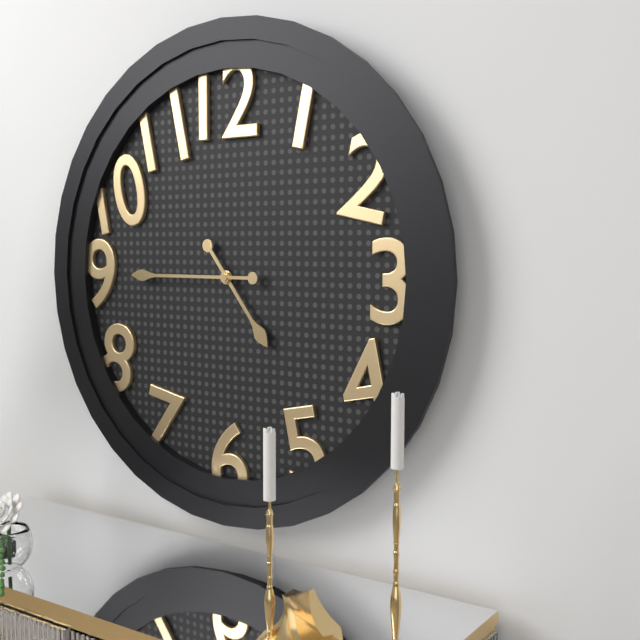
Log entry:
4h45
